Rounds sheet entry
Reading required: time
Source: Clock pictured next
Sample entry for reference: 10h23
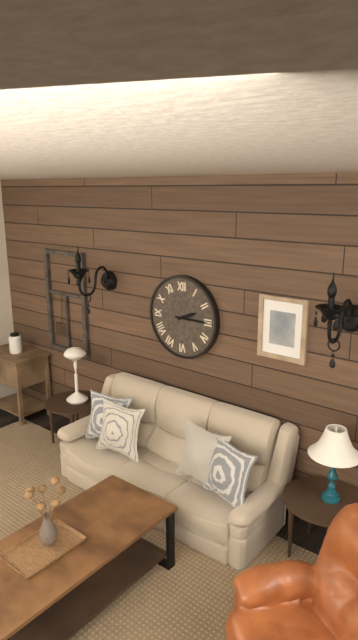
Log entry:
2h15
